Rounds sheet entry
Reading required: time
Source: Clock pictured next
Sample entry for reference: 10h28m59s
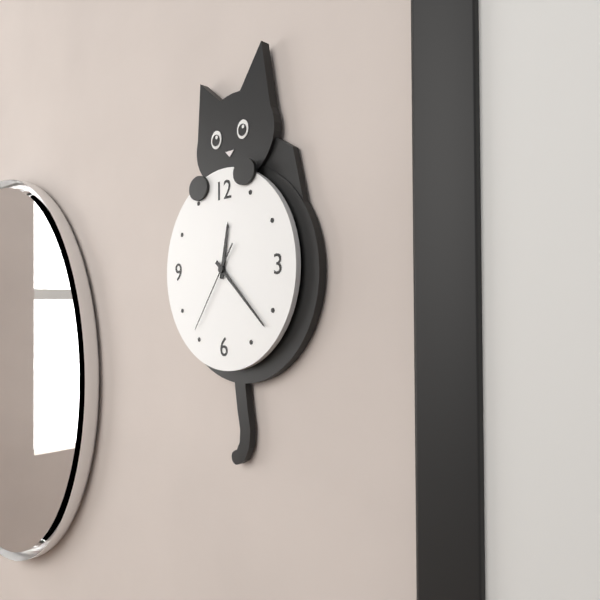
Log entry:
12h22m36s
